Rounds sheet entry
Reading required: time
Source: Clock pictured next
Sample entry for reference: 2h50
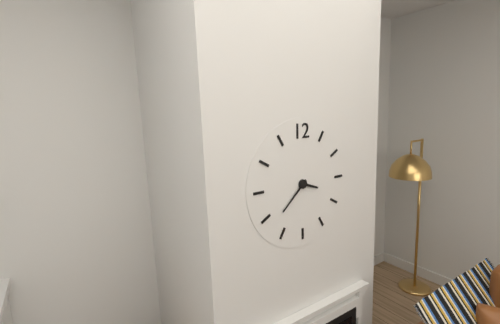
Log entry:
3h38
